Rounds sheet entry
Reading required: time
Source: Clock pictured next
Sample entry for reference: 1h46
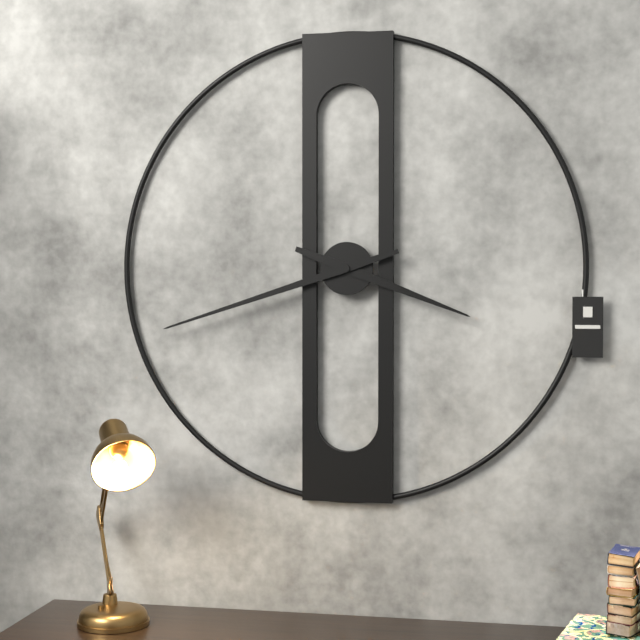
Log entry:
3h42
